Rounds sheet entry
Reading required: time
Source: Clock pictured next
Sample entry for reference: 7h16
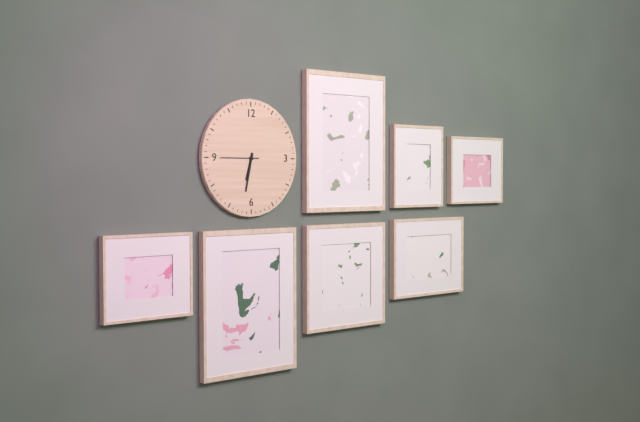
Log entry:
6h32
